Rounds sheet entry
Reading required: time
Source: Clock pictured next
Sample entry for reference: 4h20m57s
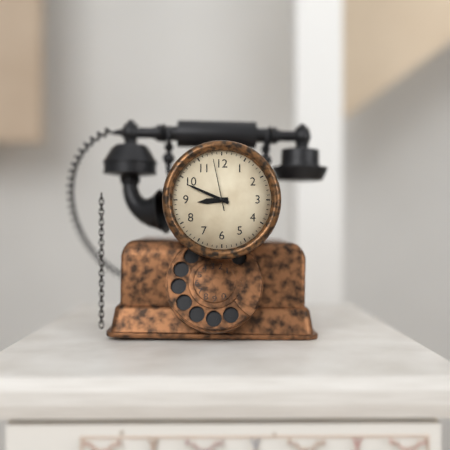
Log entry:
8h49m58s
